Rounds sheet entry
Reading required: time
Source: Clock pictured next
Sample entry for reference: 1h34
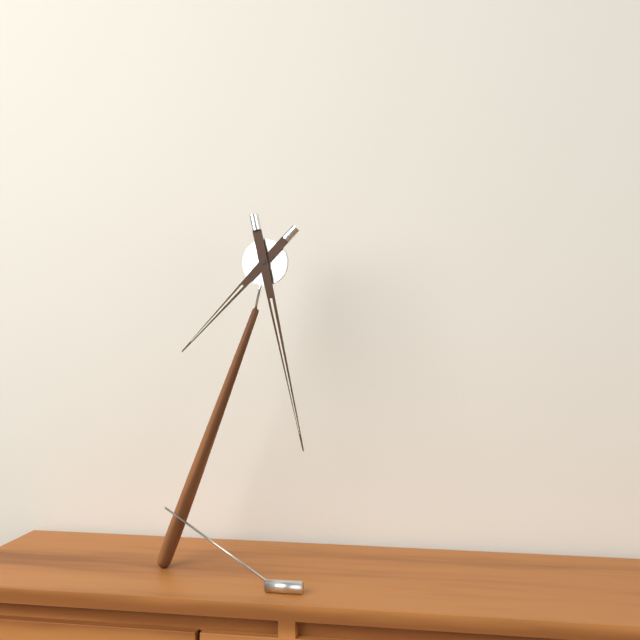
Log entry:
7h28
